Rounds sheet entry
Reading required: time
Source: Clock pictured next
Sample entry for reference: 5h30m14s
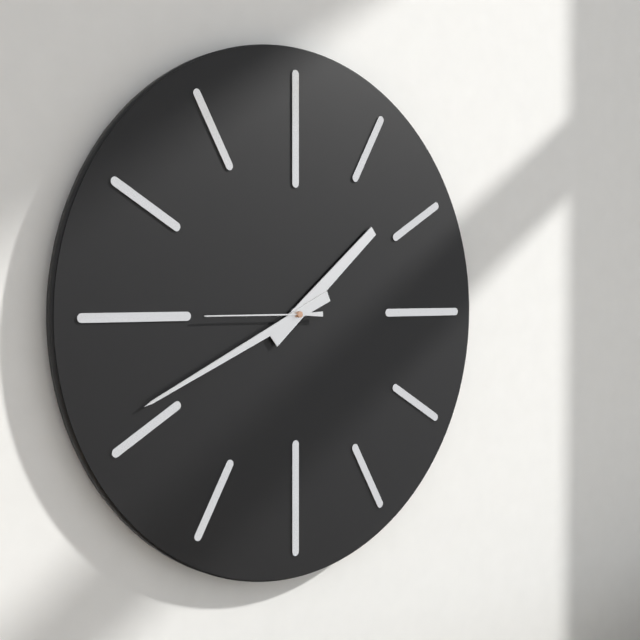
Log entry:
1h41m45s
